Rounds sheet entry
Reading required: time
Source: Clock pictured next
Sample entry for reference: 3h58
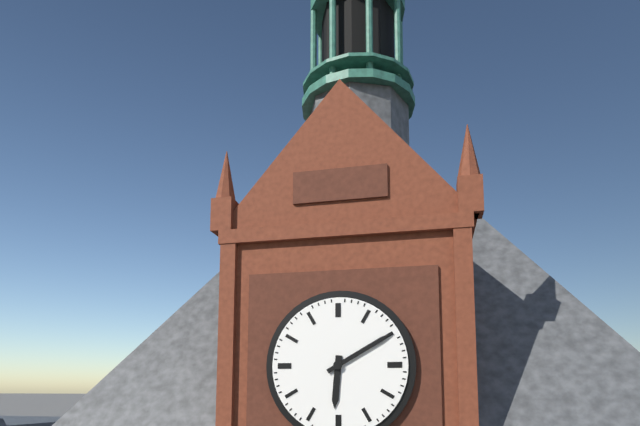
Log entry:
6h10
